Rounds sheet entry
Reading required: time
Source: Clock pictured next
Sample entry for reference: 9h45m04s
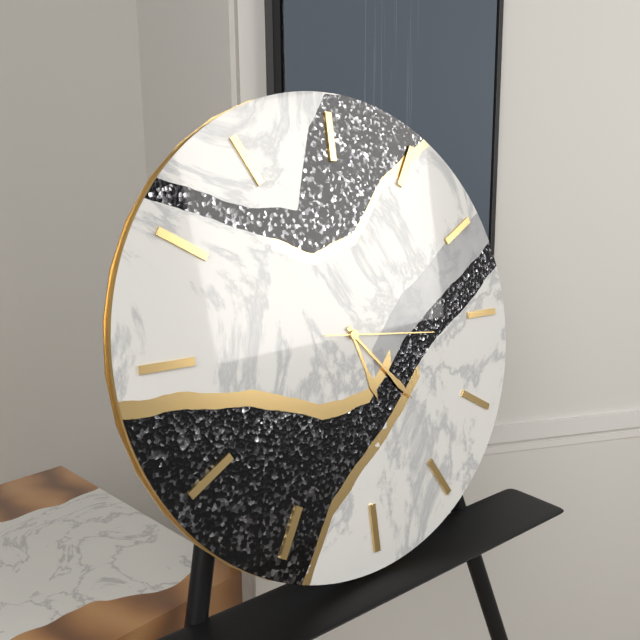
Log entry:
5h23m16s
